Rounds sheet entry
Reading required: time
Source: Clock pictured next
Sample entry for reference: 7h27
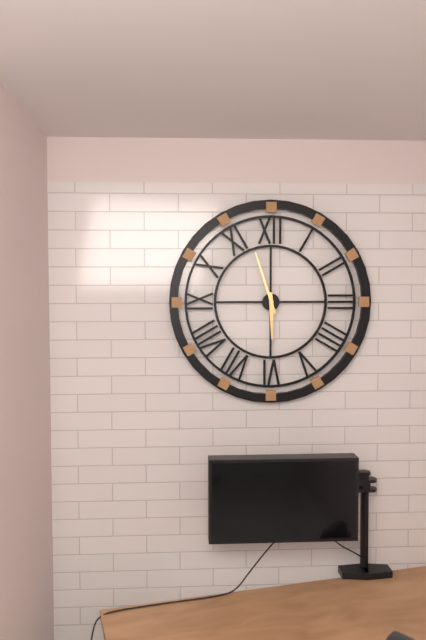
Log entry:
5h57
